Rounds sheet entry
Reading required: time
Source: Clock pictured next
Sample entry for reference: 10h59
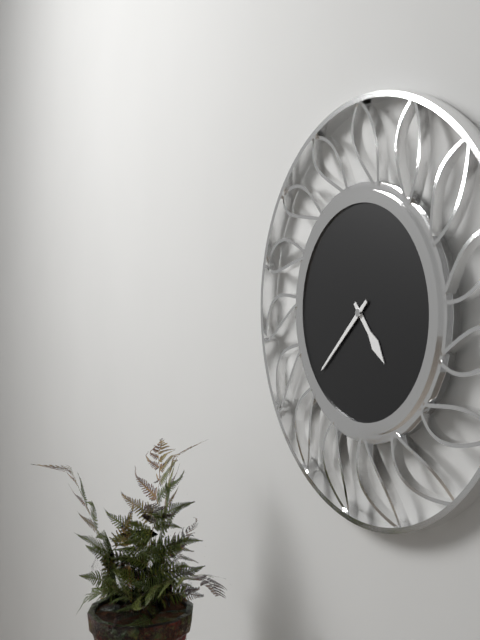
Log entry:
4h38
